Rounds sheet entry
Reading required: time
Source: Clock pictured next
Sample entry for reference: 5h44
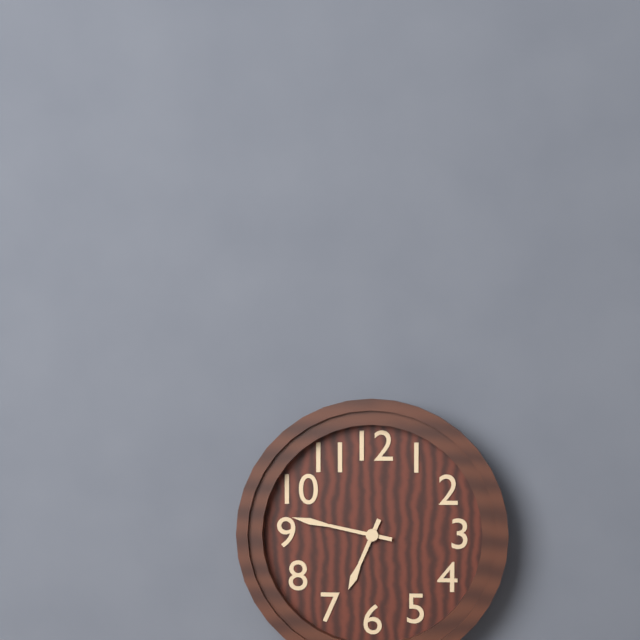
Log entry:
6h47
